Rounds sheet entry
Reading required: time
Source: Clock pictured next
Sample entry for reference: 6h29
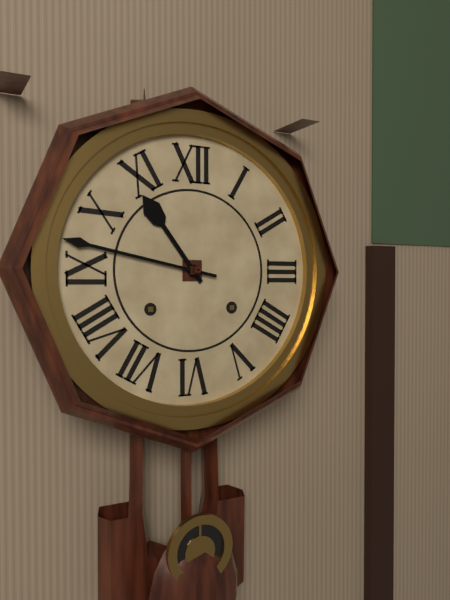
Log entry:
10h47
